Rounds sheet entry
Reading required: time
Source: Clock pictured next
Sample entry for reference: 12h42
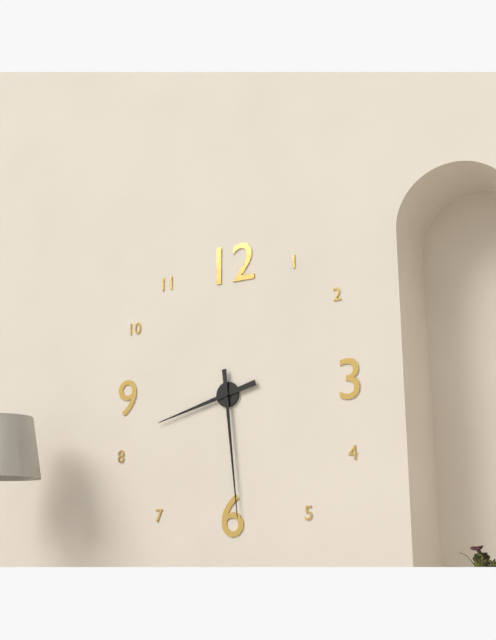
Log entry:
8h29
